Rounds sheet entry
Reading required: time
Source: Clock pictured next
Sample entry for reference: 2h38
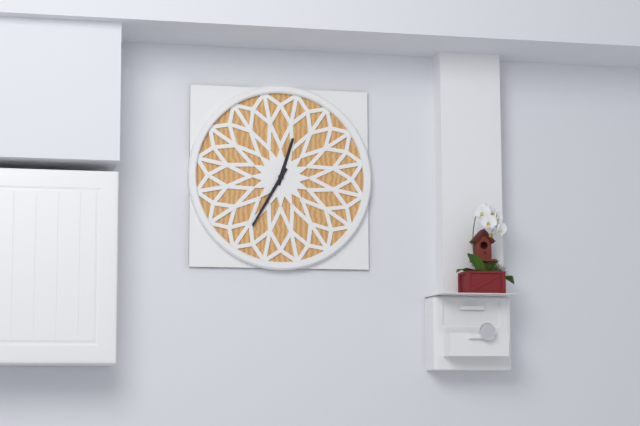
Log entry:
12h35
